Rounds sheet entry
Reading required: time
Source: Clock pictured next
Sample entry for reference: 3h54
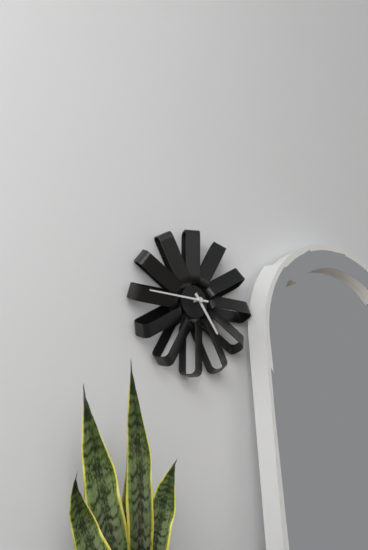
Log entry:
4h45
